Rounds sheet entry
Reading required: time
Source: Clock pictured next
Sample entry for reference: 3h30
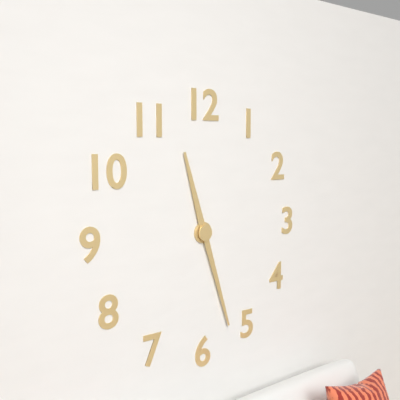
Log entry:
11h27
